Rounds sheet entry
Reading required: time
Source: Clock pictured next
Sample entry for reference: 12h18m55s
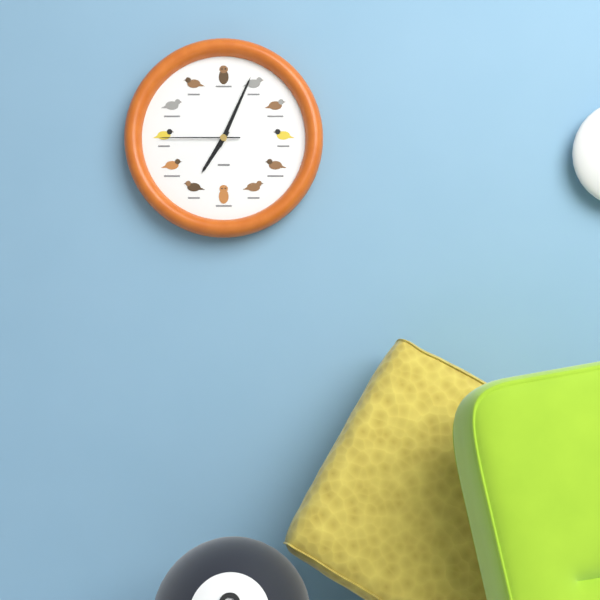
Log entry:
7h04m45s
